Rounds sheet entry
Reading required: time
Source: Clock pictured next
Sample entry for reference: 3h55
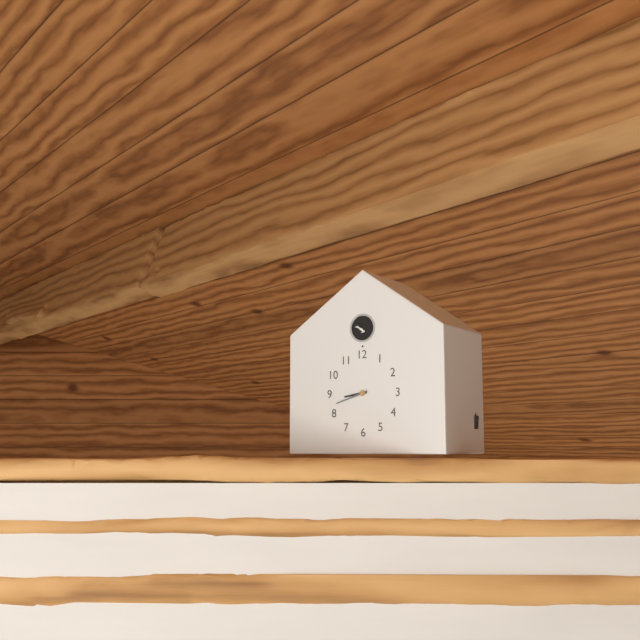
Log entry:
8h42
